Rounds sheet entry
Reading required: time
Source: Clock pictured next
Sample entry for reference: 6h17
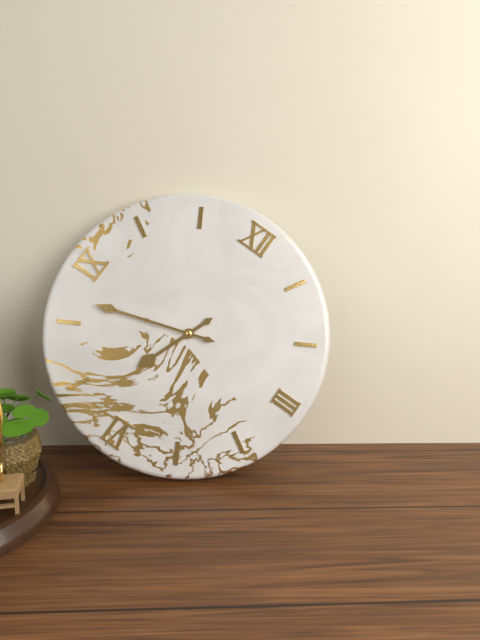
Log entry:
6h42
